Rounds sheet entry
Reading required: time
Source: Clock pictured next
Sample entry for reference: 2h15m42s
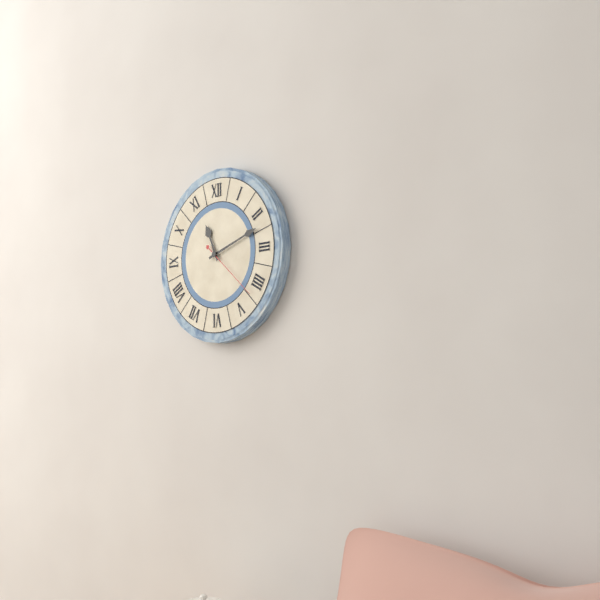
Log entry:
11h12m22s
